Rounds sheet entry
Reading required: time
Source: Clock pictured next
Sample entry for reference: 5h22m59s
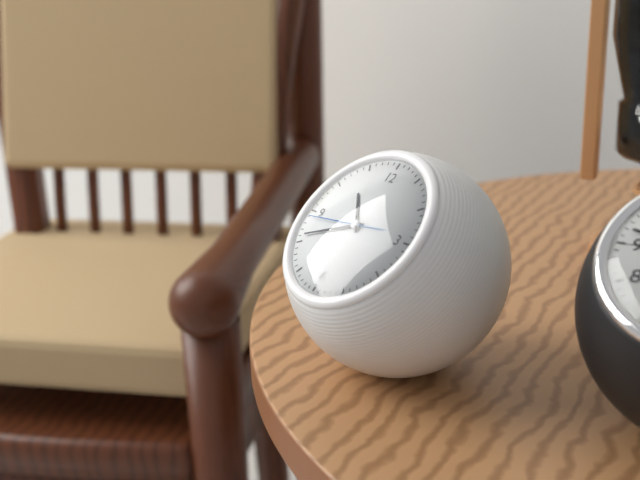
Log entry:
10h41m44s
